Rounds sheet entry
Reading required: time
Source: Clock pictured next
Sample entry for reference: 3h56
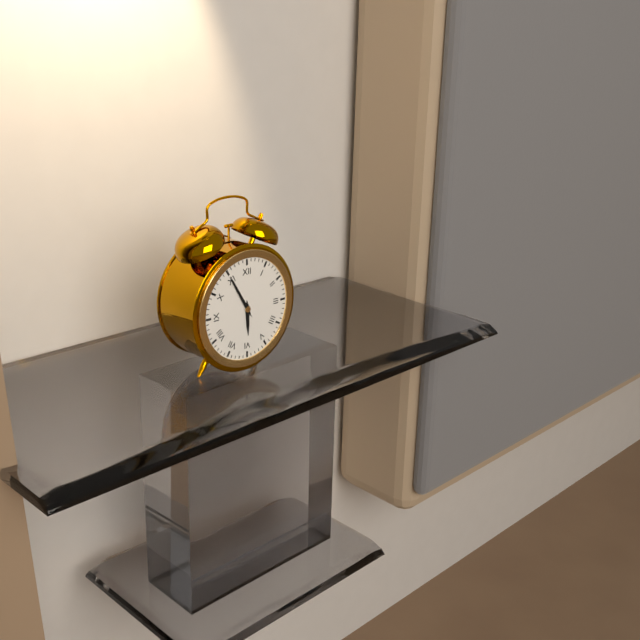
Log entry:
5h55
